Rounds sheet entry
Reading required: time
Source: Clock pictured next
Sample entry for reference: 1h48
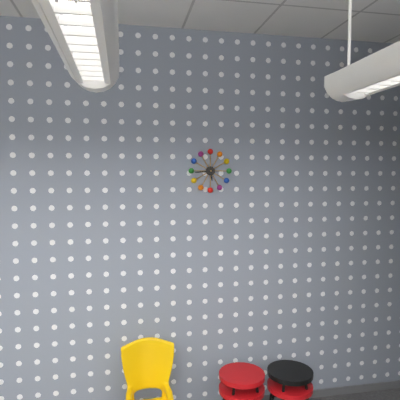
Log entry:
5h44
